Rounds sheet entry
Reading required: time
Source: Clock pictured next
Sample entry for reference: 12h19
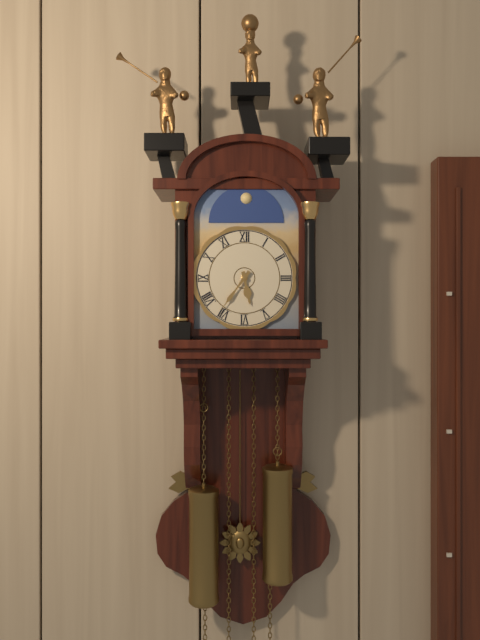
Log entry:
5h36
